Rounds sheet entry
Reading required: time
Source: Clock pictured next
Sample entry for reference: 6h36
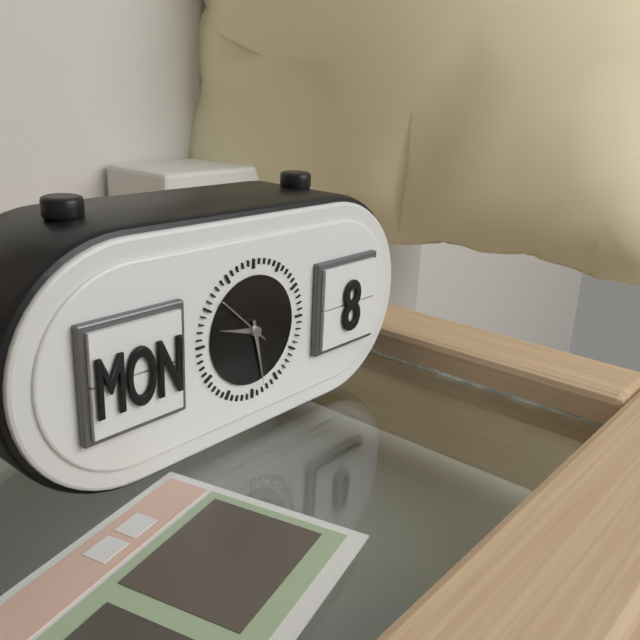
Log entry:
9h28
